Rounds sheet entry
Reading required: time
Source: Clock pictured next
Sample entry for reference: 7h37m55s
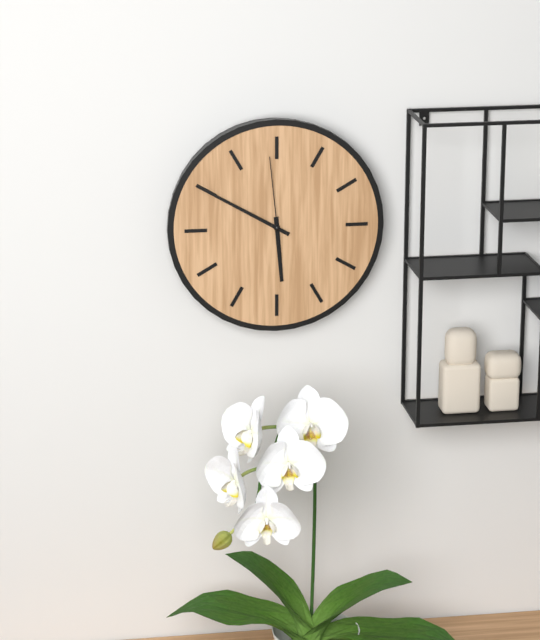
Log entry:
5h50m59s
